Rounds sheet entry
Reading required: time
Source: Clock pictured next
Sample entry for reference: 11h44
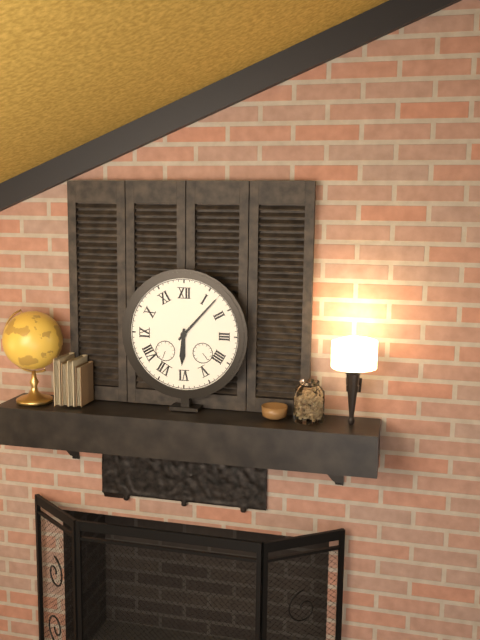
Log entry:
6h07
